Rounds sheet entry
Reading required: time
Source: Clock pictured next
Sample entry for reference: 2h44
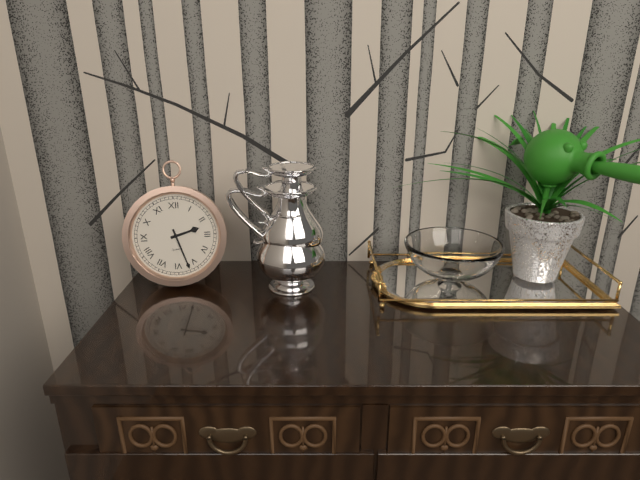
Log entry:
2h27
